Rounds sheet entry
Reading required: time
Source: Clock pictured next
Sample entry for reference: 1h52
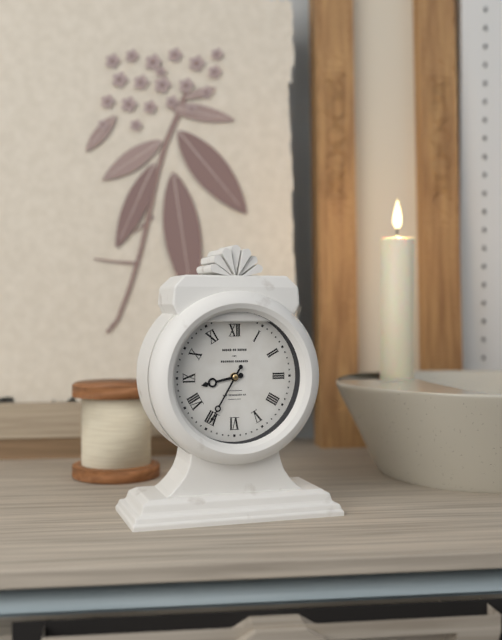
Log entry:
8h35
